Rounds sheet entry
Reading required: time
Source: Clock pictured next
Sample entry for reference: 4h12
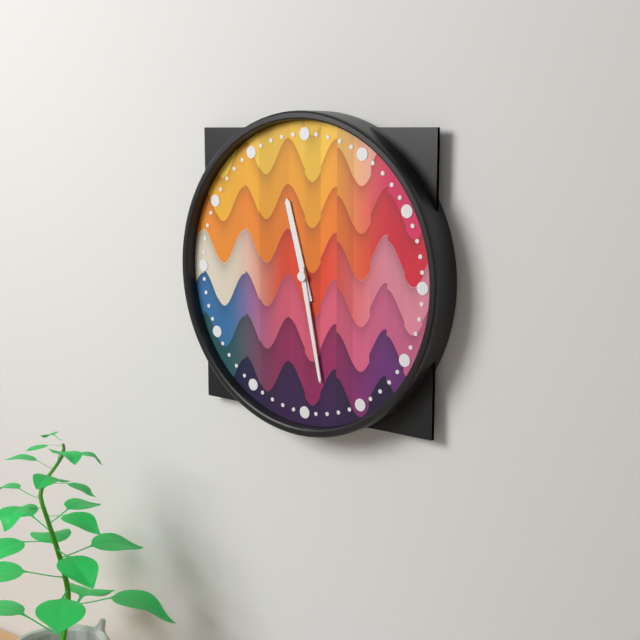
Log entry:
11h28
